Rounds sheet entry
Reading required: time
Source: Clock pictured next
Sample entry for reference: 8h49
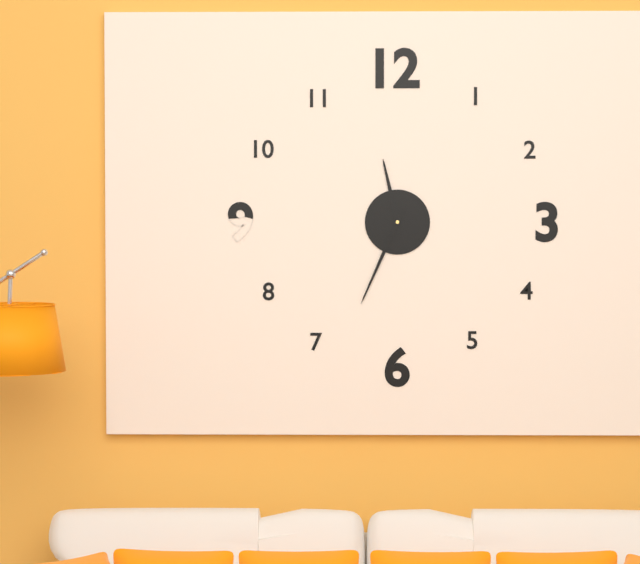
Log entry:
11h34
